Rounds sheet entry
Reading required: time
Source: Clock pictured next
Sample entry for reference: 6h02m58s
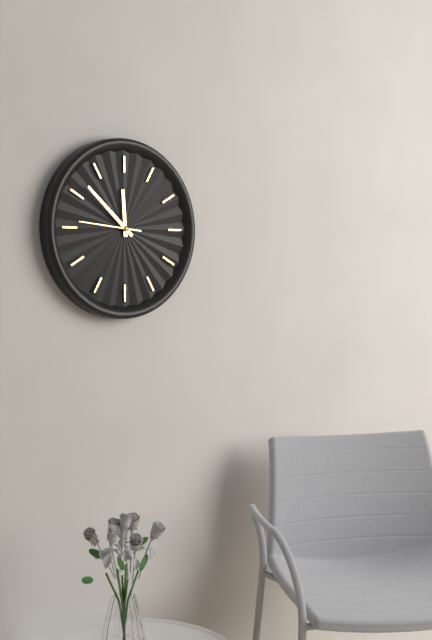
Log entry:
11h52m46s
